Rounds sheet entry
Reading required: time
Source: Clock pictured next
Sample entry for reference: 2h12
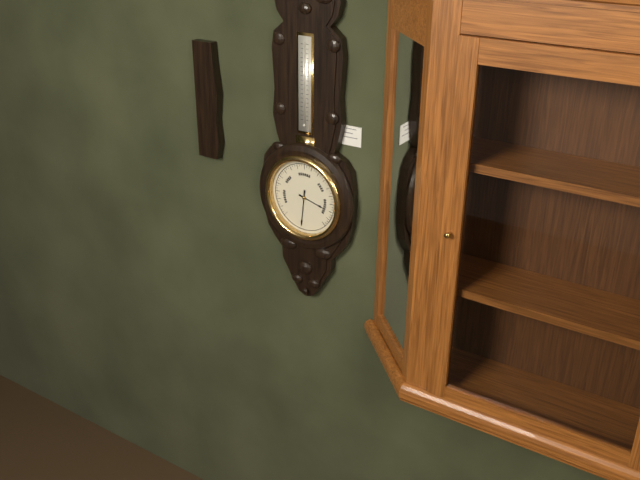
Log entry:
3h31
